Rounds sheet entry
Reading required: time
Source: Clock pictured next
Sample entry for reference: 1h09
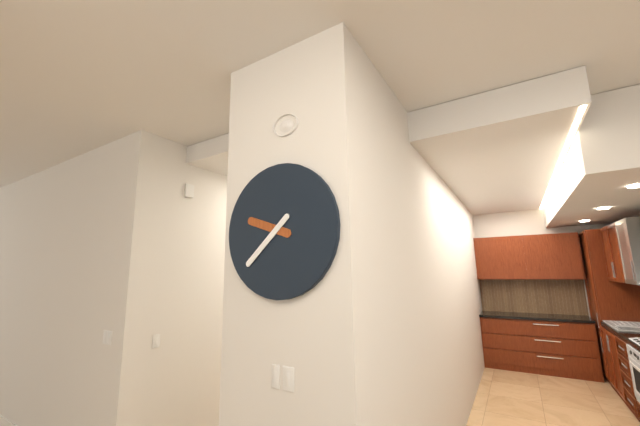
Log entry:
9h38
